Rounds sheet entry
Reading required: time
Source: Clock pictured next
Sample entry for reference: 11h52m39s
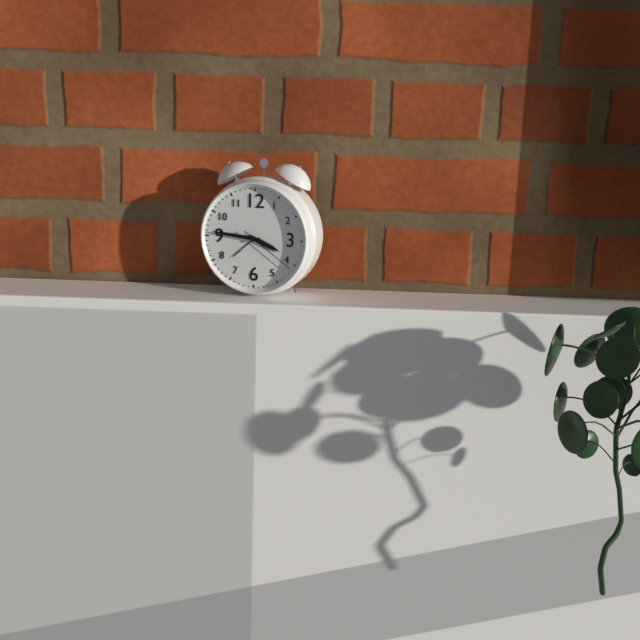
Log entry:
3h46m21s
